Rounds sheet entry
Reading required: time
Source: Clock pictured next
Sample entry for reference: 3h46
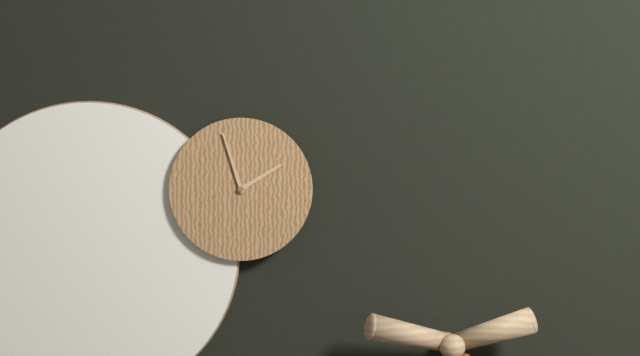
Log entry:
1h57
